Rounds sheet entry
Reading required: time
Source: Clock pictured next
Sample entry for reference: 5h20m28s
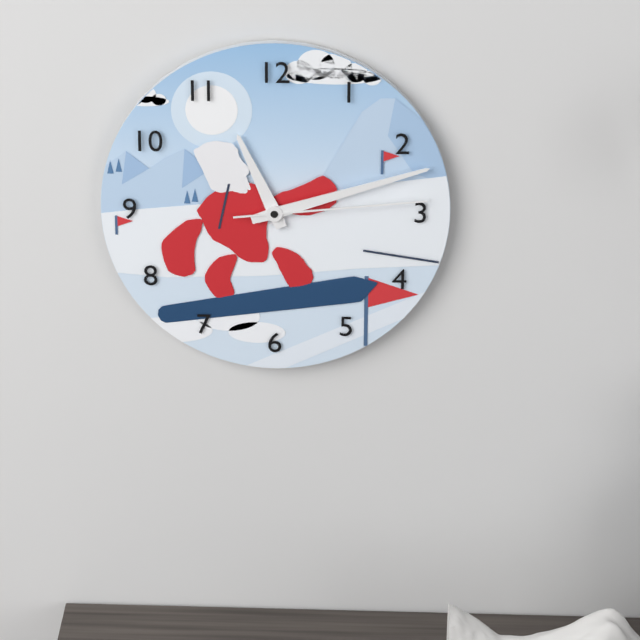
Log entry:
11h12m14s
